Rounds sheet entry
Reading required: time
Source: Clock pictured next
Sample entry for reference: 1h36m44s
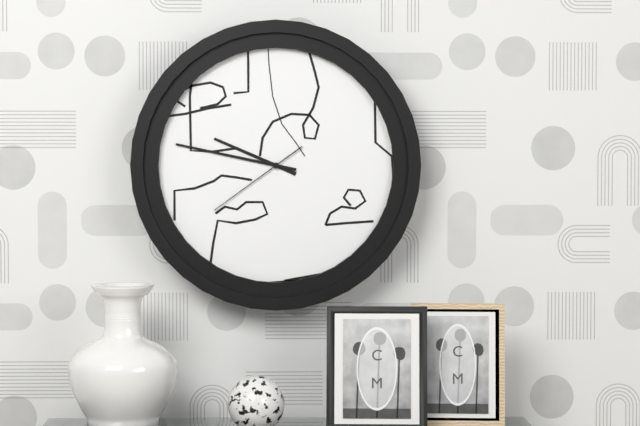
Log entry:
9h47m39s
